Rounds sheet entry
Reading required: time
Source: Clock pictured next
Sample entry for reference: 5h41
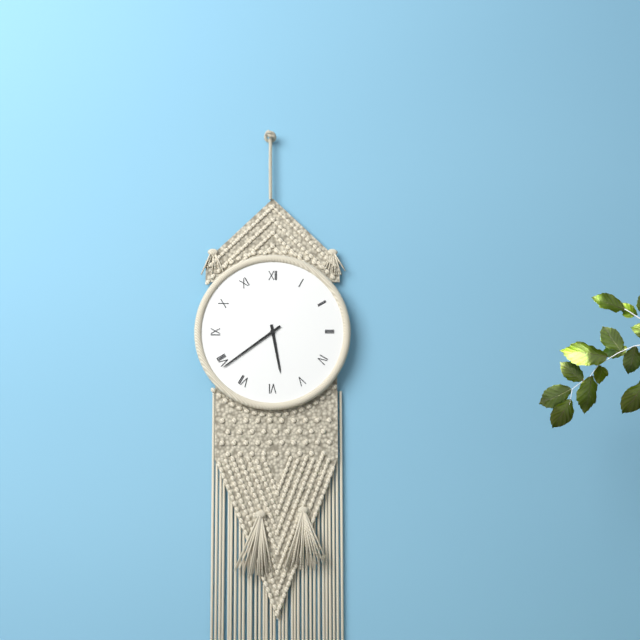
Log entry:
5h39
